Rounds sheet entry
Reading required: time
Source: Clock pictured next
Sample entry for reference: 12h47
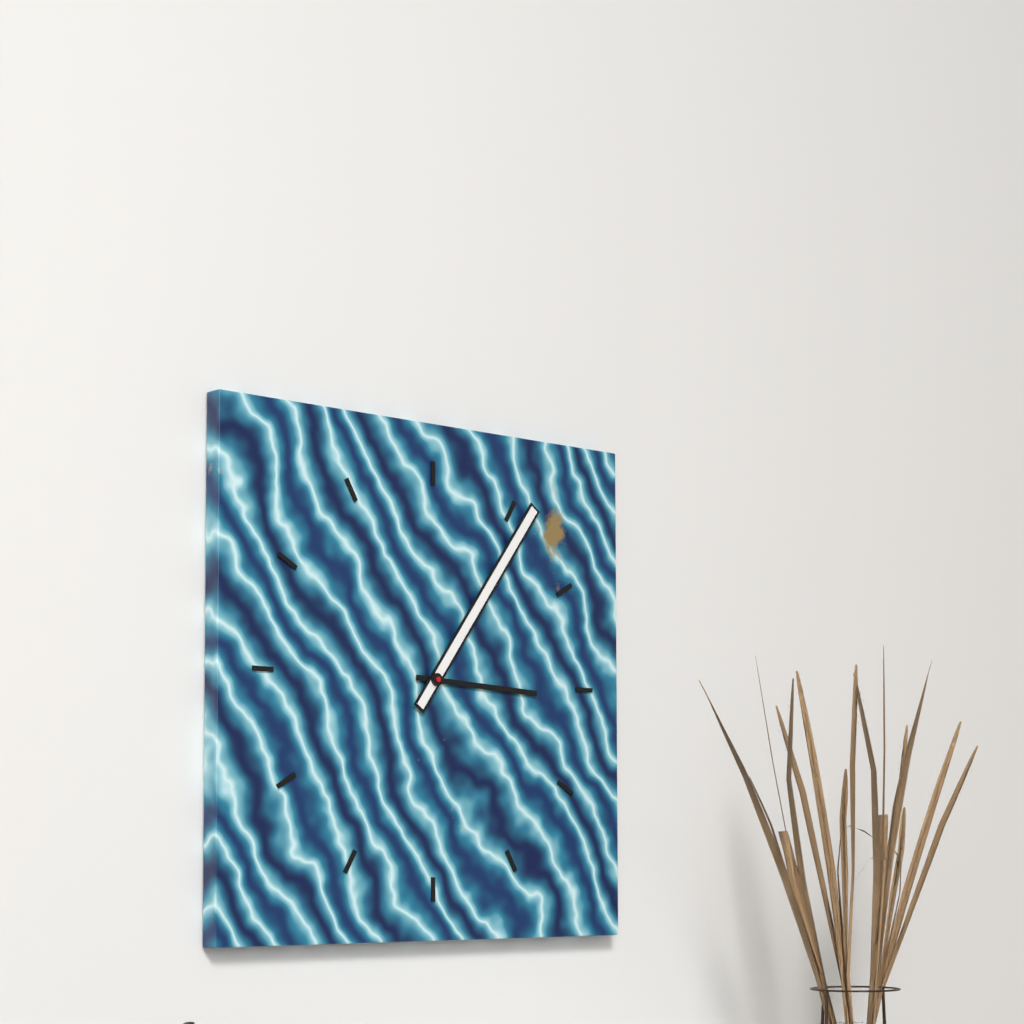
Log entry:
3h06
